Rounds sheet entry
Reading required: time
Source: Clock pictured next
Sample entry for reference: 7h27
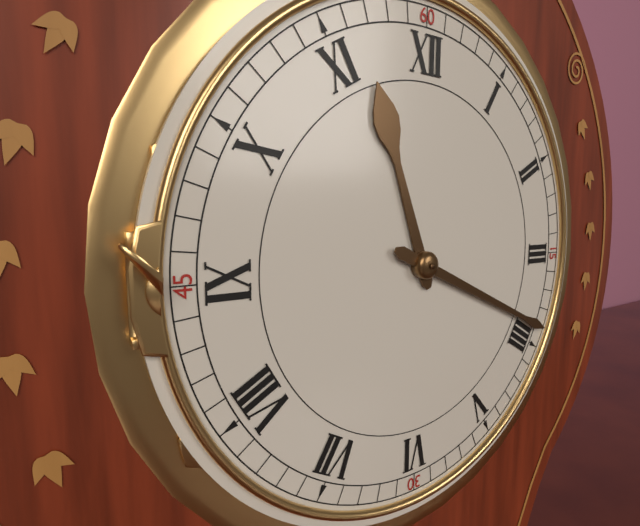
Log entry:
11h19
